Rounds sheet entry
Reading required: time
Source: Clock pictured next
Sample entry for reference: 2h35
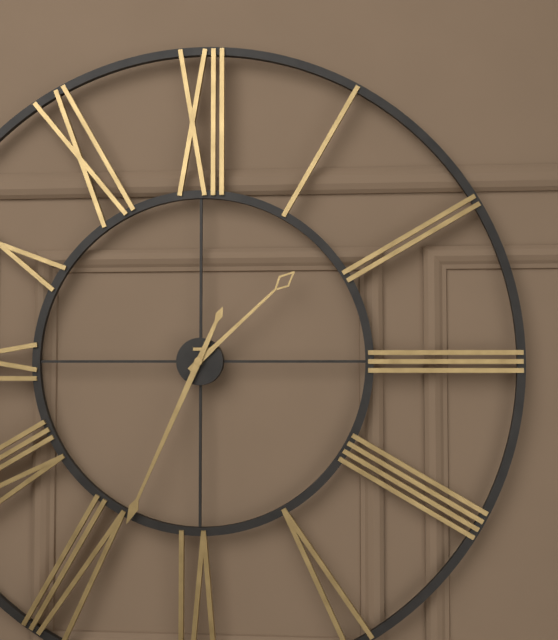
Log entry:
1h34
